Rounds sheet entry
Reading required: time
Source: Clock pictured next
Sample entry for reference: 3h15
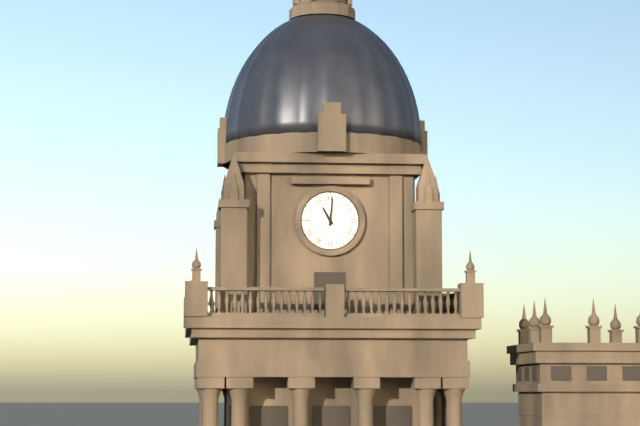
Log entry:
11h01
